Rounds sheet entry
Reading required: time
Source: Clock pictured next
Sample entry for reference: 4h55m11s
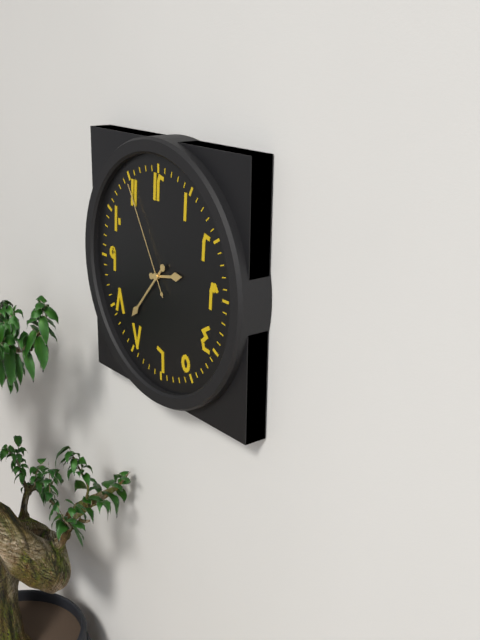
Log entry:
2h37m55s
